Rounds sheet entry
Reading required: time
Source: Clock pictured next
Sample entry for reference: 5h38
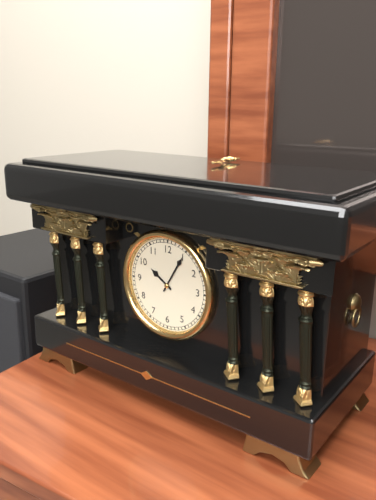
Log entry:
10h05
